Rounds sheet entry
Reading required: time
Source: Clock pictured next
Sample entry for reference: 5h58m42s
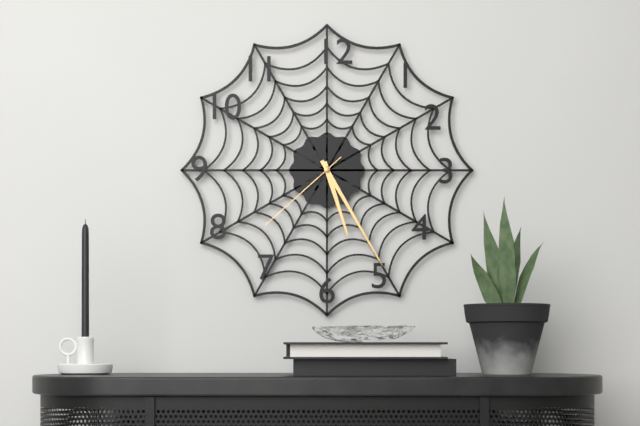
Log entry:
5h25m38s
